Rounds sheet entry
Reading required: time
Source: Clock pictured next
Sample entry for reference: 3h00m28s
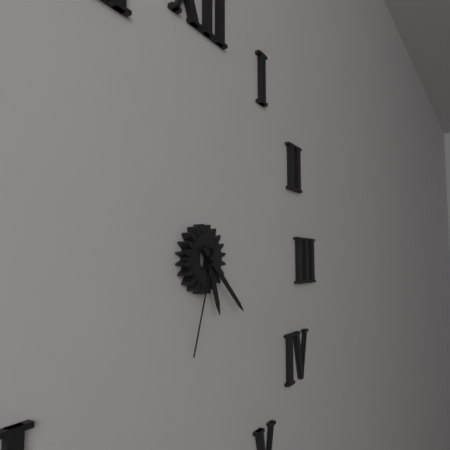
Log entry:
5h22m33s
